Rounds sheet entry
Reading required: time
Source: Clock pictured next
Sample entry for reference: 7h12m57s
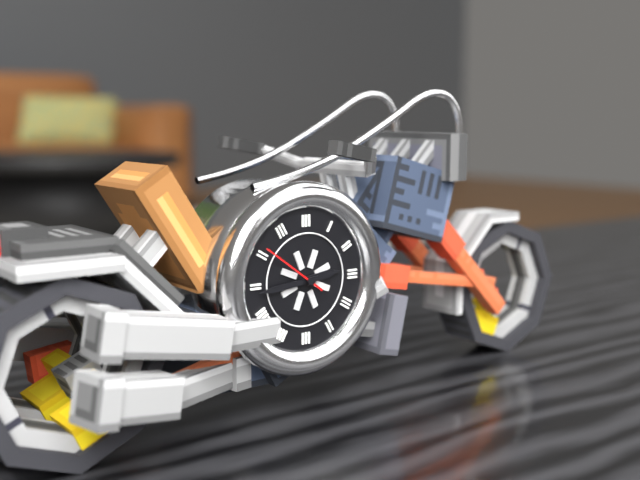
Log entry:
2h44m51s
